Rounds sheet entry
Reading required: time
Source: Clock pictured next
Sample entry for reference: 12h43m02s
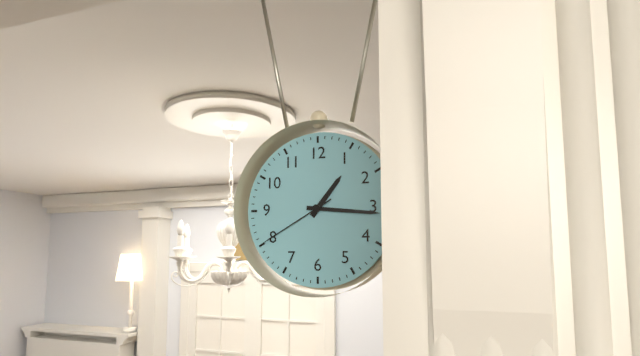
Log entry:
1h16m40s
